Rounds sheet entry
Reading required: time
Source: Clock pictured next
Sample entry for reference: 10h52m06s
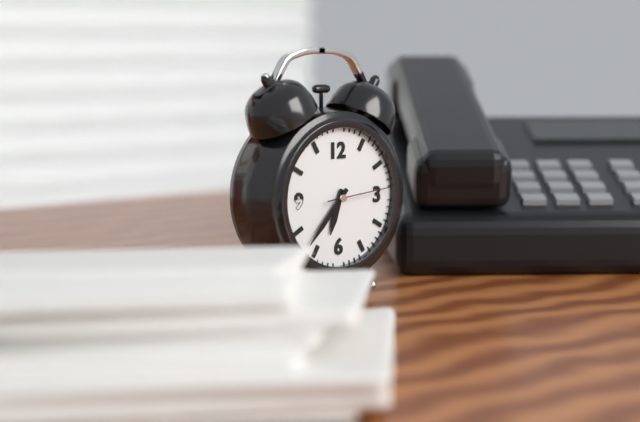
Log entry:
6h37m14s
